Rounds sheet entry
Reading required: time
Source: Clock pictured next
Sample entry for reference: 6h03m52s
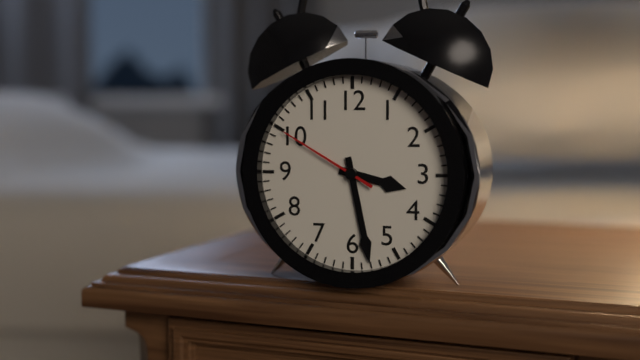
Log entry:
3h28m50s
